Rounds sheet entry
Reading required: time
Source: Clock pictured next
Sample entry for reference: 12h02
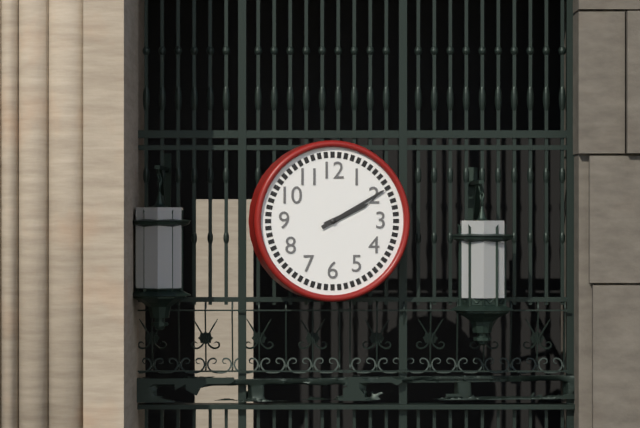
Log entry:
2h10
